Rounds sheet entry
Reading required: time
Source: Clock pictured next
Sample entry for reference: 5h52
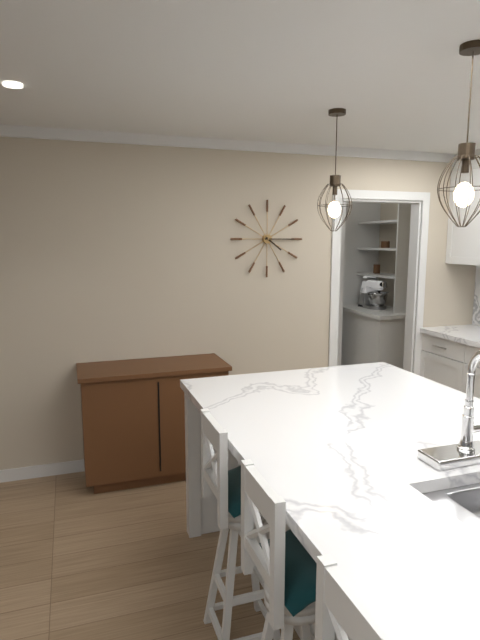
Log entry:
4h15
